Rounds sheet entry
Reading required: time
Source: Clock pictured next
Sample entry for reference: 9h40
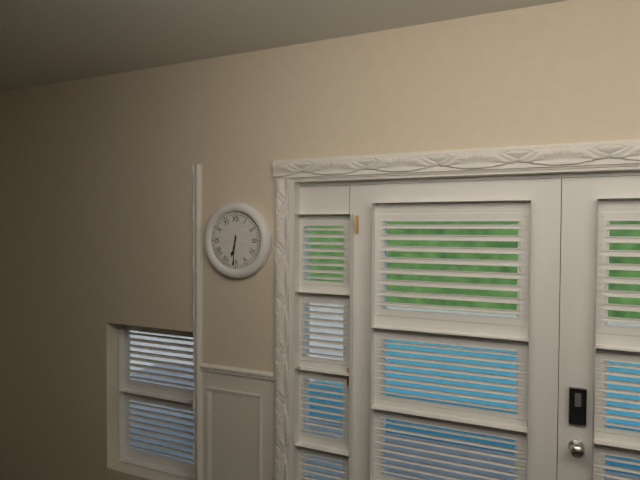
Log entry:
6h31
